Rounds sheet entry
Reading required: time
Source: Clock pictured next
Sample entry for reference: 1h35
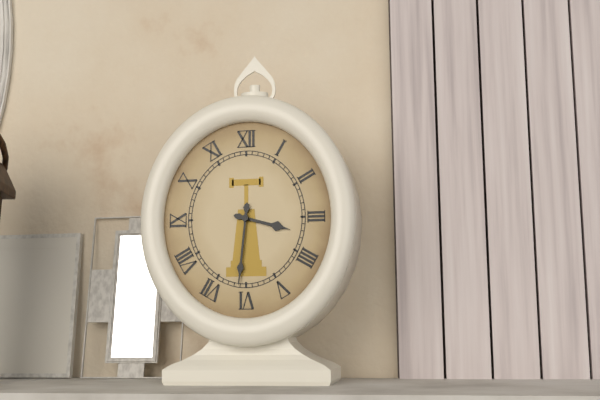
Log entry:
3h31
